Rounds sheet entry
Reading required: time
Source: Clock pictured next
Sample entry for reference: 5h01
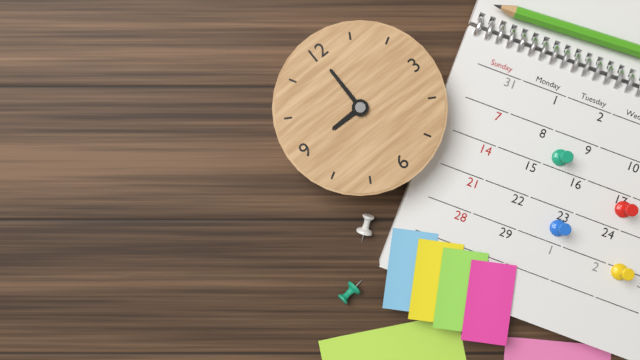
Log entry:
9h00
